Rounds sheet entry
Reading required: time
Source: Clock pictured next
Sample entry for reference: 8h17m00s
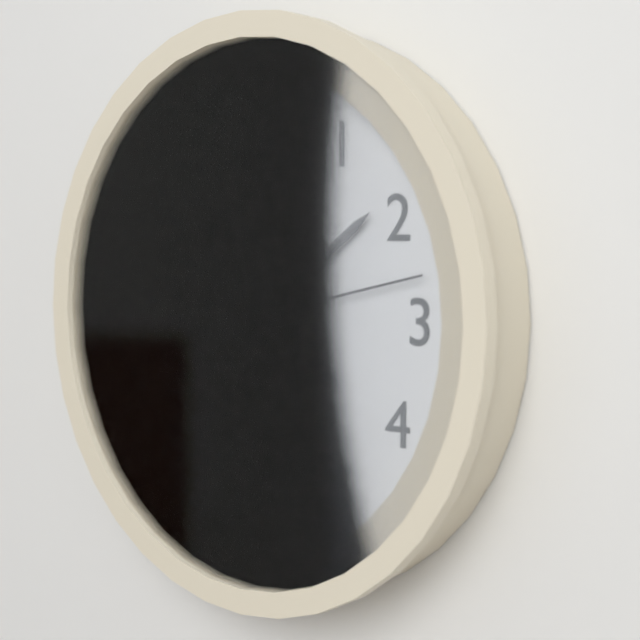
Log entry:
4h09m13s
